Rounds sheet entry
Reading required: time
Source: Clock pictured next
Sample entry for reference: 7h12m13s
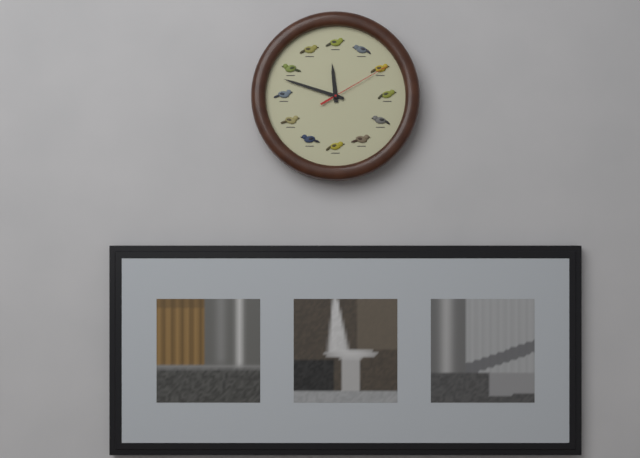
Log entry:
11h48m10s
